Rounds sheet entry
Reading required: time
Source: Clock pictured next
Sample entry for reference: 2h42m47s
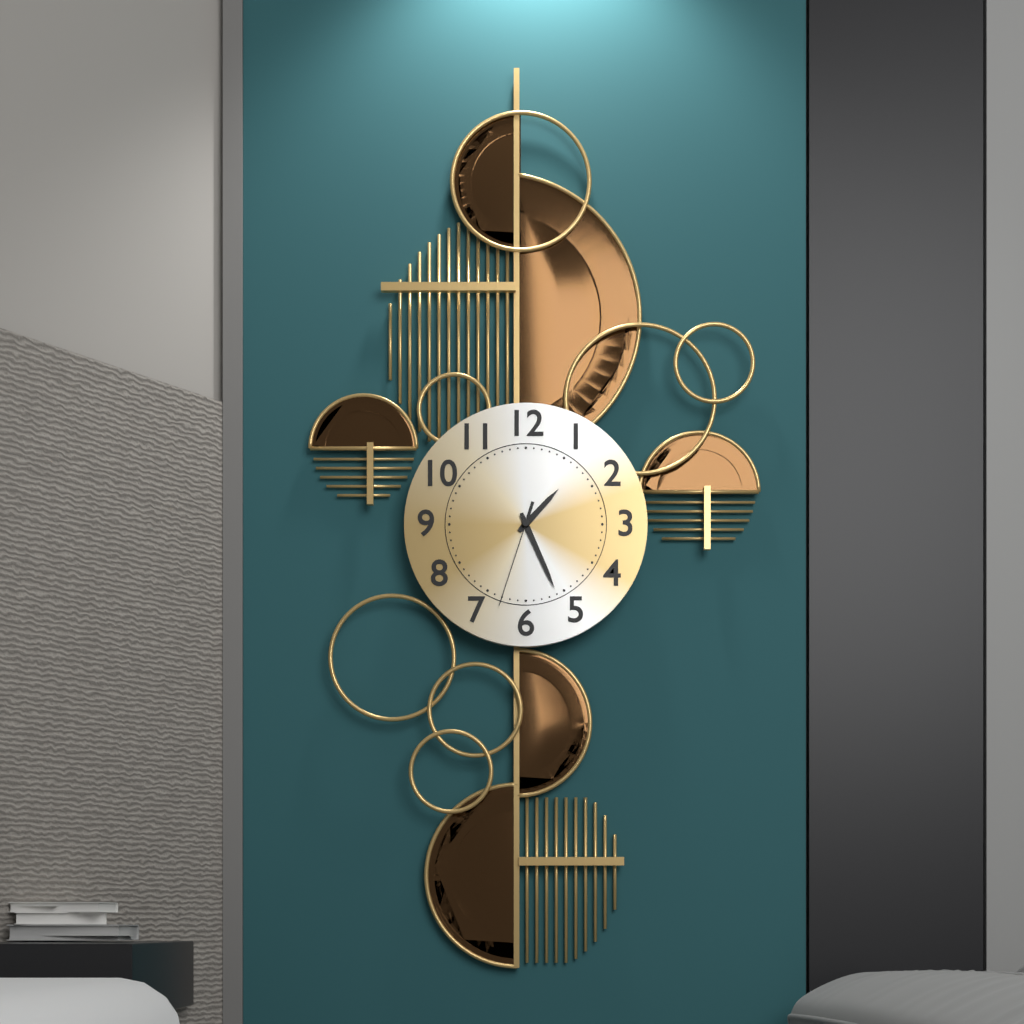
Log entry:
1h26m33s
